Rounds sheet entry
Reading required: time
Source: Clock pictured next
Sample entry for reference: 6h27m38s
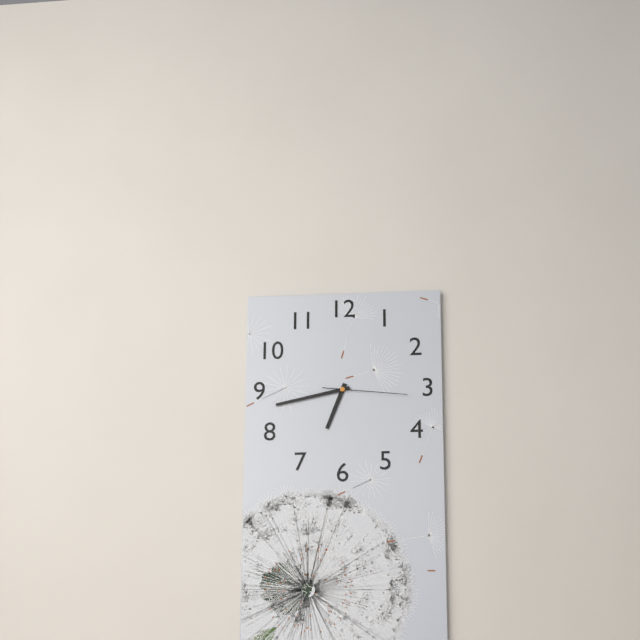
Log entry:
6h43m16s
